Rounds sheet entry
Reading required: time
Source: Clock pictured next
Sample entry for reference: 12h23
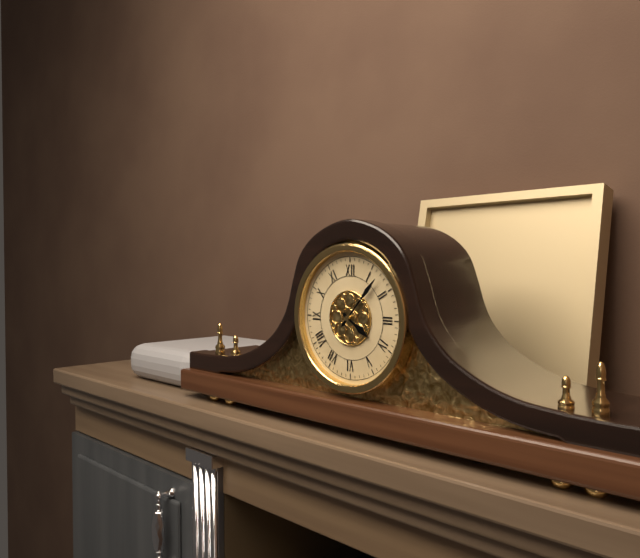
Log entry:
4h07
